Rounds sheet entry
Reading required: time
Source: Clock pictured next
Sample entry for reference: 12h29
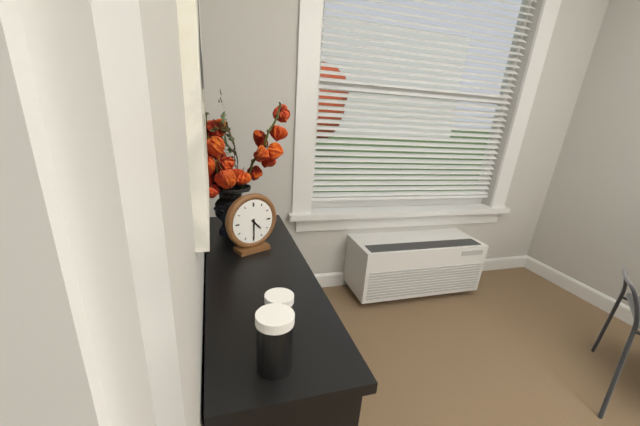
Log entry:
4h30
